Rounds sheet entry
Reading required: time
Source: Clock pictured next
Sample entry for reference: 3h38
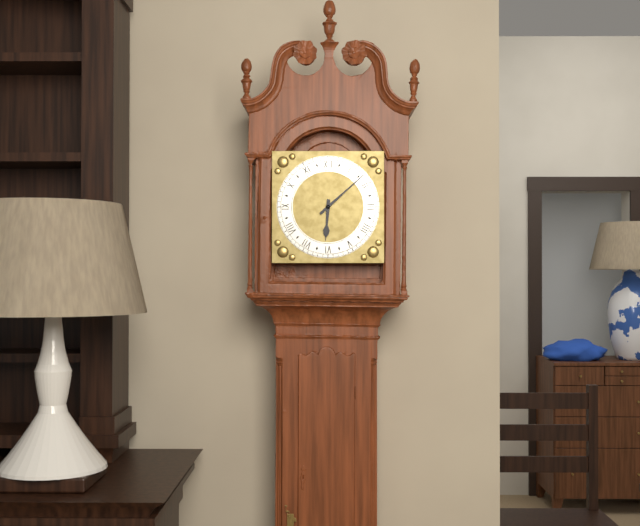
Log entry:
6h08
